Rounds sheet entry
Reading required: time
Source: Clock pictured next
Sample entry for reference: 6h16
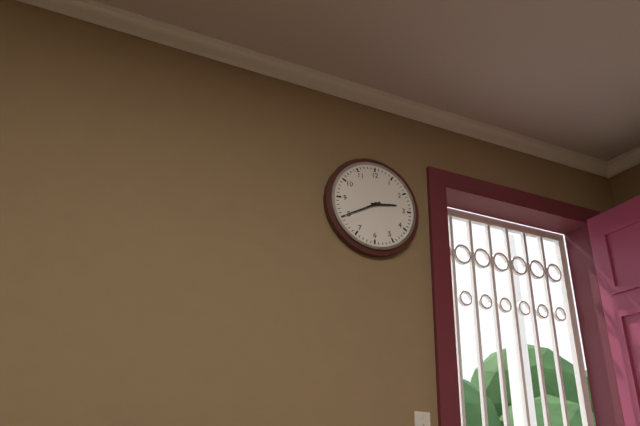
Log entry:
2h40
